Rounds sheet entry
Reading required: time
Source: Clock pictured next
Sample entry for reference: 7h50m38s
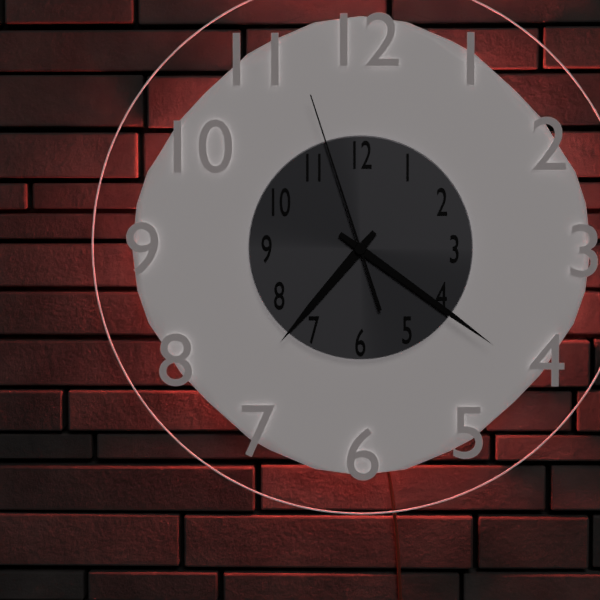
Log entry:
7h21m57s
